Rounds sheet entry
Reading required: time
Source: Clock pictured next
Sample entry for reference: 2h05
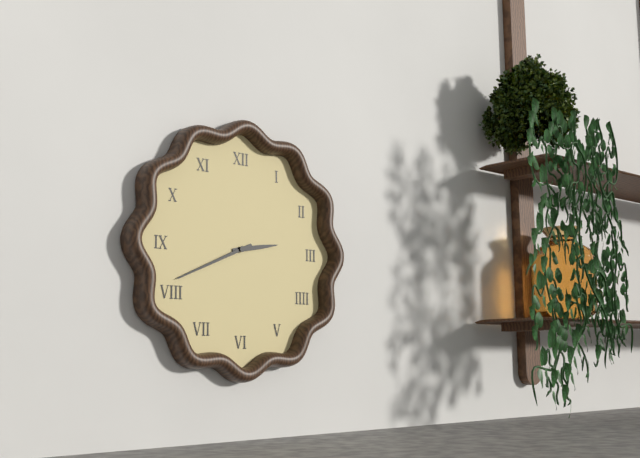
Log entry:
2h41
